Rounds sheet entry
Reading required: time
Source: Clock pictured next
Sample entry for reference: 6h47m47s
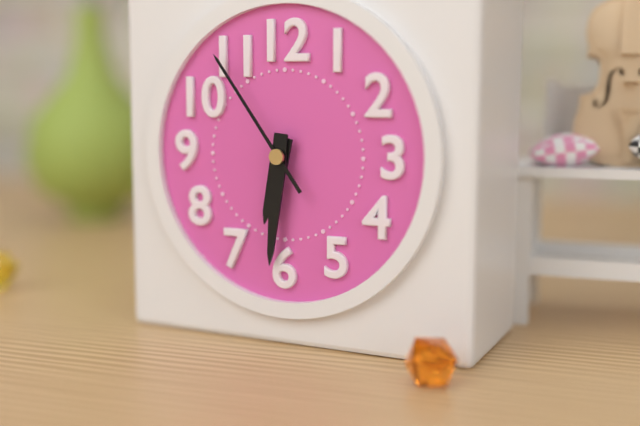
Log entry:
6h31m54s
